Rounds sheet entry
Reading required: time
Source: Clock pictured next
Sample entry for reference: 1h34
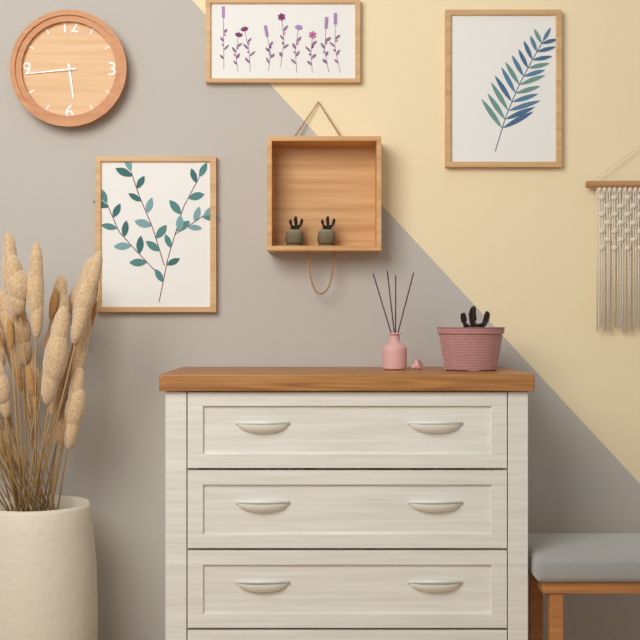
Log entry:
5h44
